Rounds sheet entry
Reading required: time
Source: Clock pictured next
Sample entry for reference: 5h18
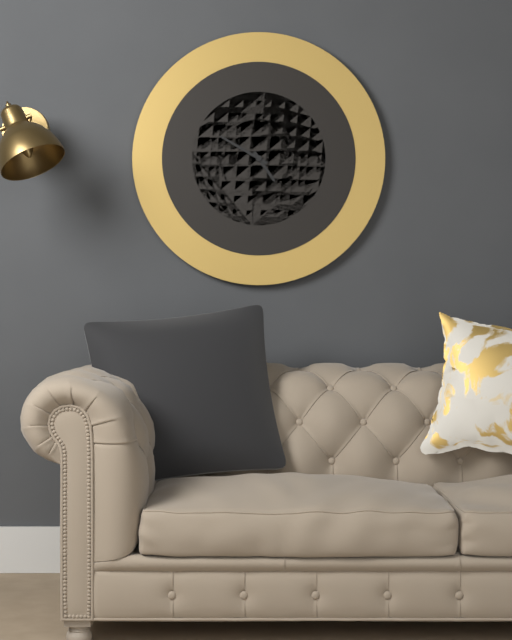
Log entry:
4h50
